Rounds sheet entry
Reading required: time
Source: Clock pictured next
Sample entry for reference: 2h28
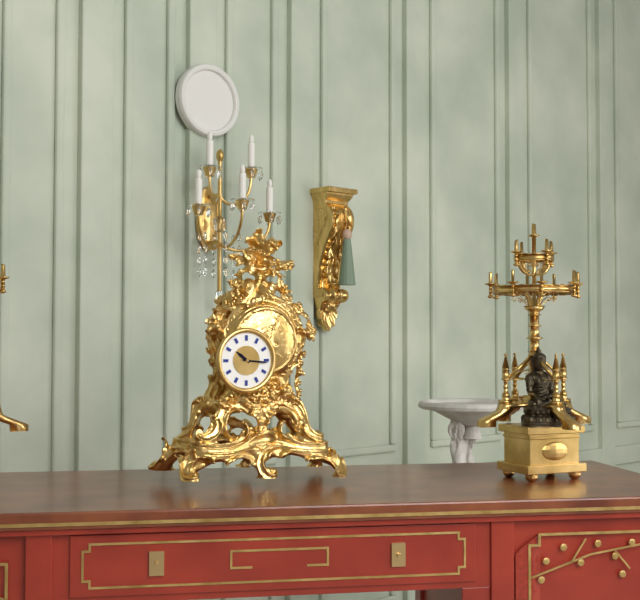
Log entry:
10h16
